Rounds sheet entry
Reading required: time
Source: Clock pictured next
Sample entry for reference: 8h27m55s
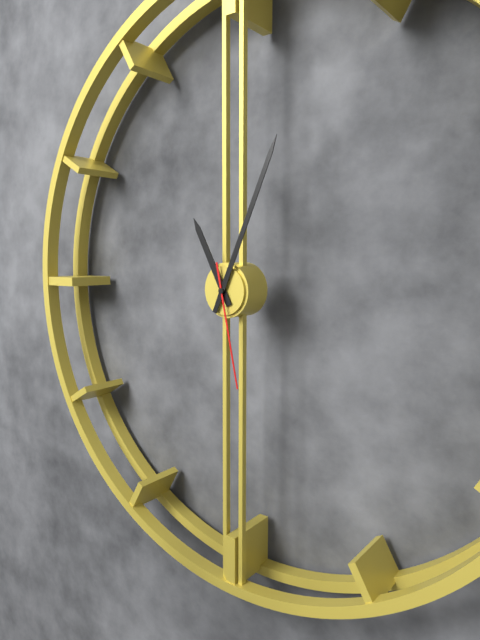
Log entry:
11h04m28s
